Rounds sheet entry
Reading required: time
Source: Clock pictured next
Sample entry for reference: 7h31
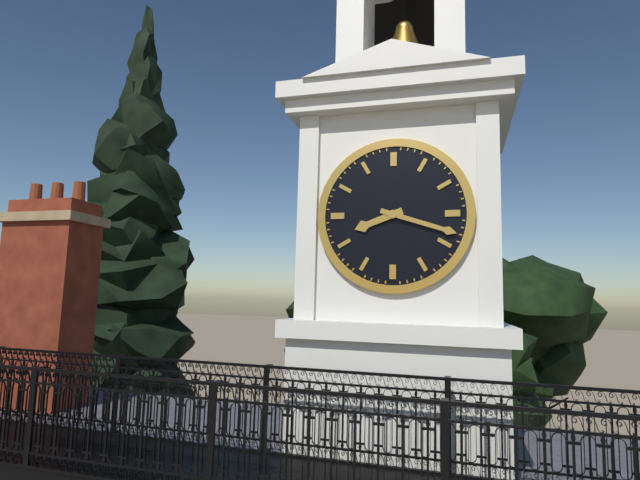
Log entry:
8h18
